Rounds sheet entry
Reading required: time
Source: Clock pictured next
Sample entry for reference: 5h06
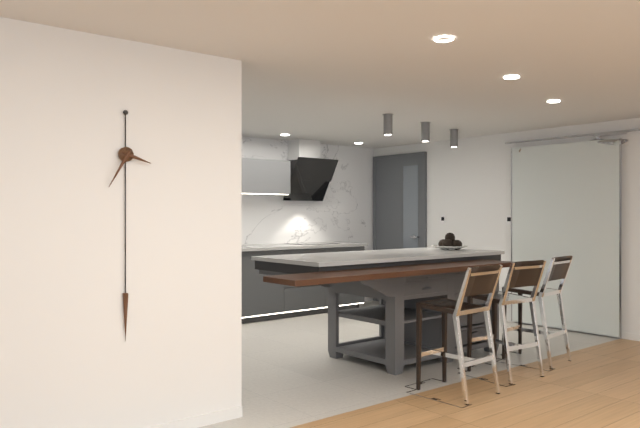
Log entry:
3h35
